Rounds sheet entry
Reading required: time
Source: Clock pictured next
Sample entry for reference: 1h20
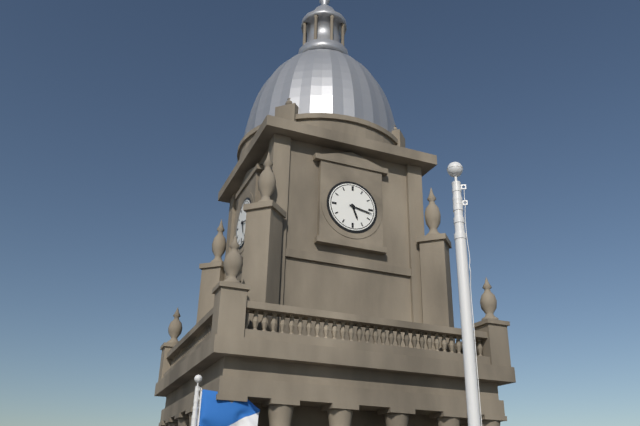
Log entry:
5h17
